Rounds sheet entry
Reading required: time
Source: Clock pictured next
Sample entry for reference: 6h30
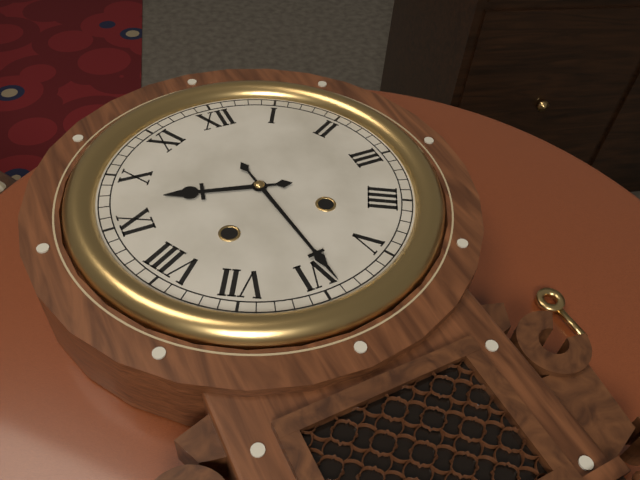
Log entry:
9h29
